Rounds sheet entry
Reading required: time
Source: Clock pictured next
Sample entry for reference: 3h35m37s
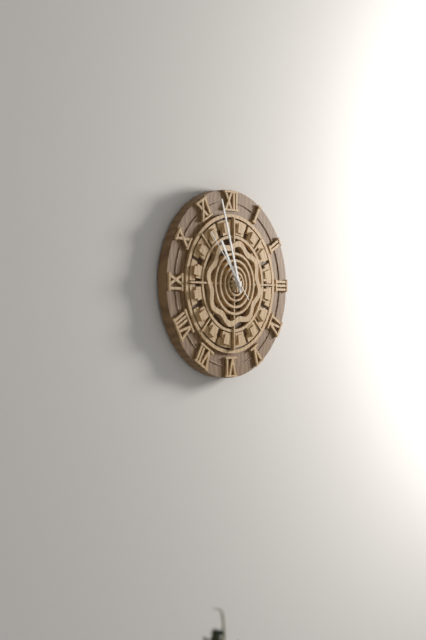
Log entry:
10h57m53s
